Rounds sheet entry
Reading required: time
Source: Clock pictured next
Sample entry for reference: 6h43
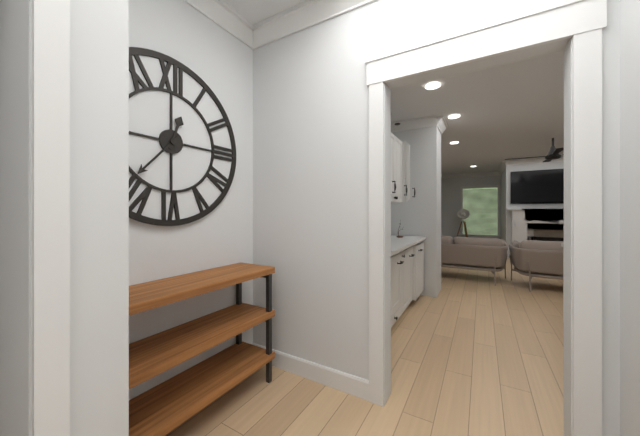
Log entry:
12h37
